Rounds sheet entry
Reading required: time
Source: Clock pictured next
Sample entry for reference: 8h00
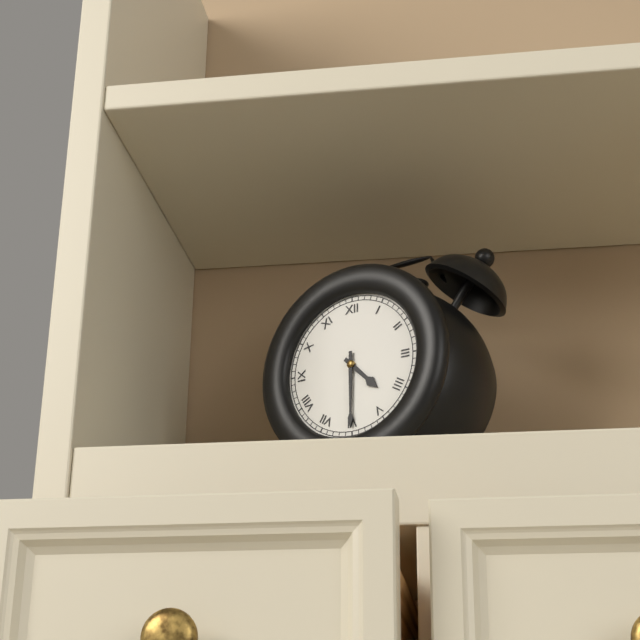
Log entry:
4h30
